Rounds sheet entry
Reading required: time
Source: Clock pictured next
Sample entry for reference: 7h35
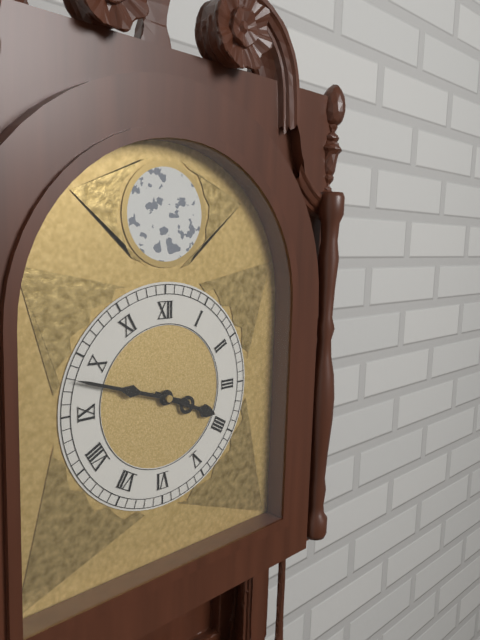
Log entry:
3h48
